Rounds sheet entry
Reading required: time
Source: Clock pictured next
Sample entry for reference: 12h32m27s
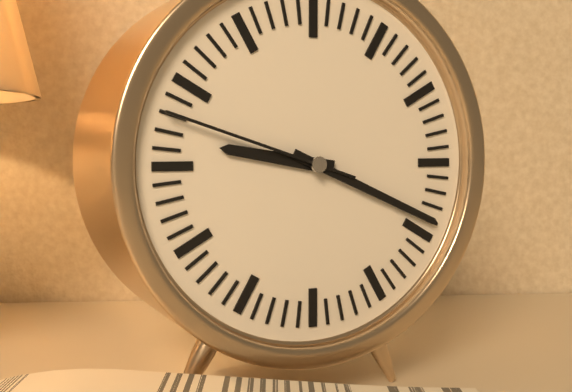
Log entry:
9h19m48s
